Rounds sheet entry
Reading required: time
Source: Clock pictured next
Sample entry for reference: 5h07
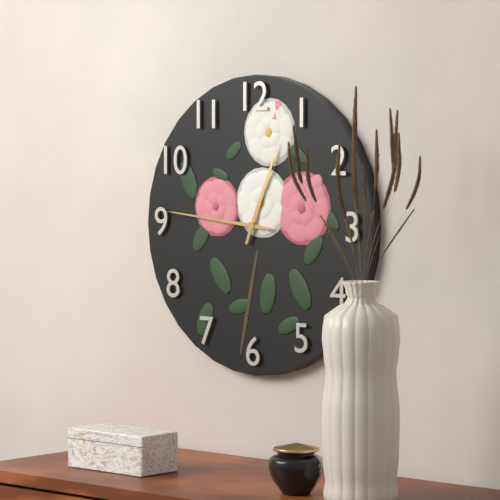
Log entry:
12h46
